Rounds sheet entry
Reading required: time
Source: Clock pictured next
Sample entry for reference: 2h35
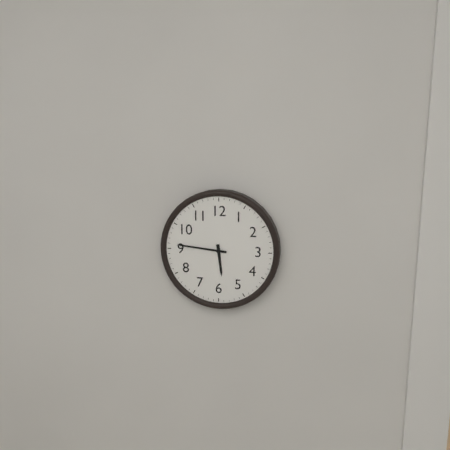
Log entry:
5h46
